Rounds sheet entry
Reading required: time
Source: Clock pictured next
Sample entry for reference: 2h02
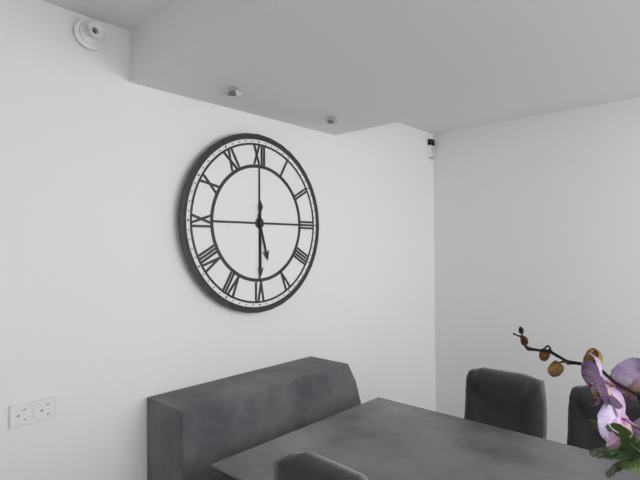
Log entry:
5h30
